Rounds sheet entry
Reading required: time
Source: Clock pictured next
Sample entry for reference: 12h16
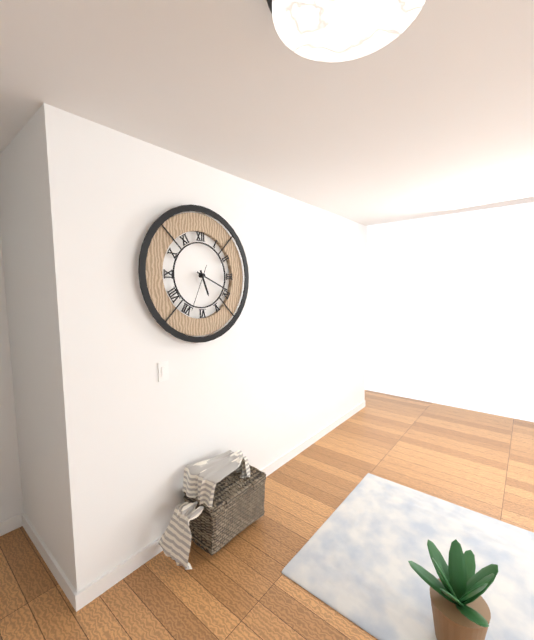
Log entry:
5h19
